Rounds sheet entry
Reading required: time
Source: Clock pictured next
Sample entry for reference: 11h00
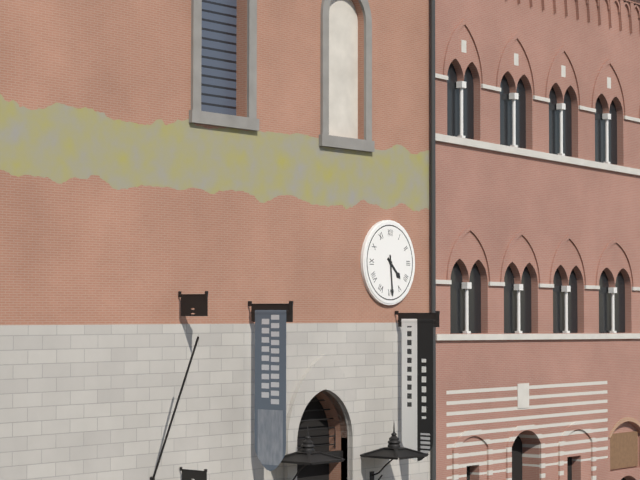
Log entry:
4h29
